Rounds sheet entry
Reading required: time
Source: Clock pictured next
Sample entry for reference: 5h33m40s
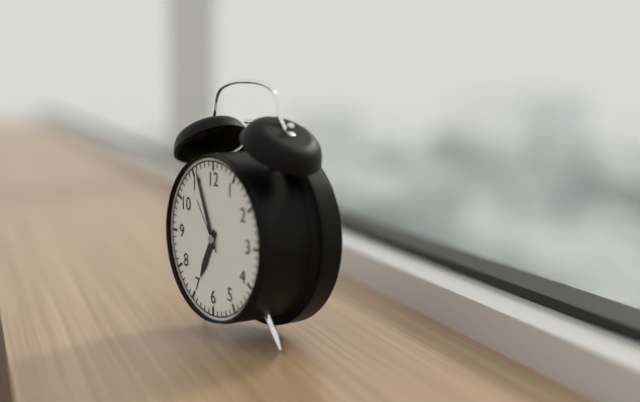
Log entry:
6h56m54s
